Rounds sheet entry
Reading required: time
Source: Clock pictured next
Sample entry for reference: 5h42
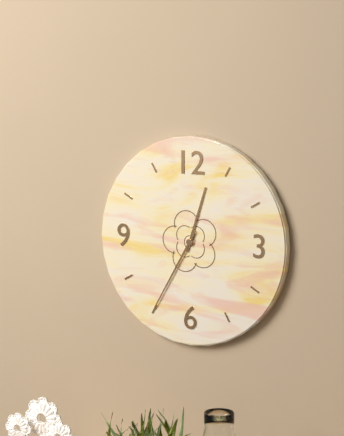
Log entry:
12h35
